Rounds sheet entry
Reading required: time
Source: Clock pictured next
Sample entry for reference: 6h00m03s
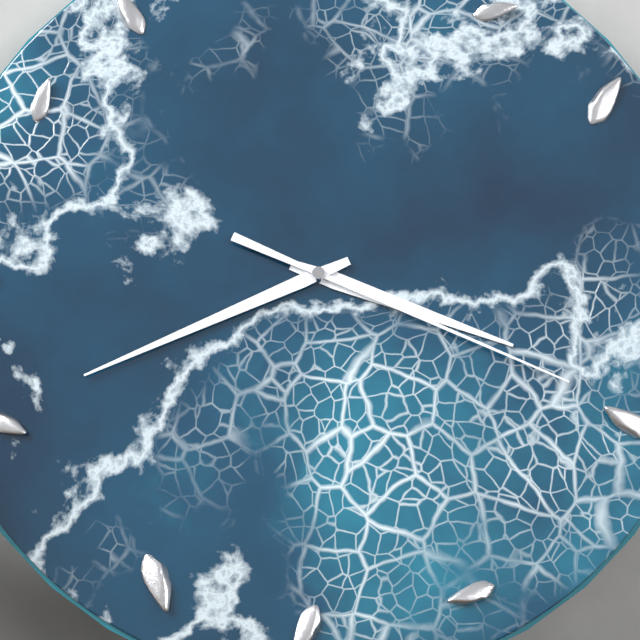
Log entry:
3h41m19s
